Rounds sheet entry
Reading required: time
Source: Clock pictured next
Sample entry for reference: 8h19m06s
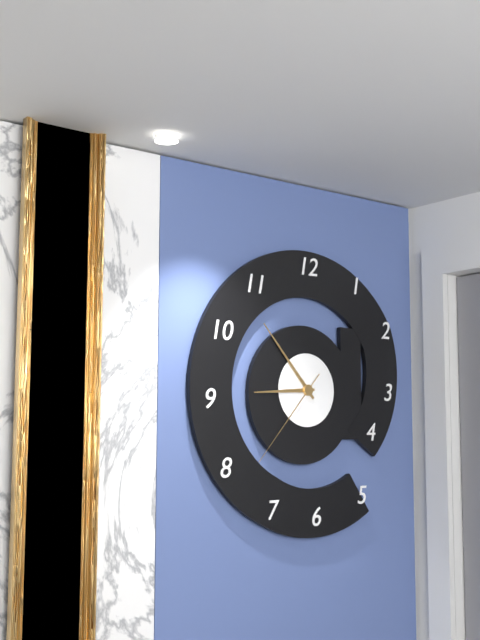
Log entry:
8h53m37s
